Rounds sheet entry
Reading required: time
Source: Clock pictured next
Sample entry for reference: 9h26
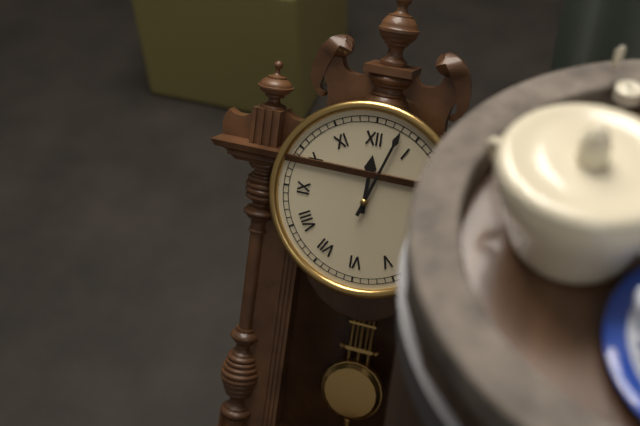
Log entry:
12h03
